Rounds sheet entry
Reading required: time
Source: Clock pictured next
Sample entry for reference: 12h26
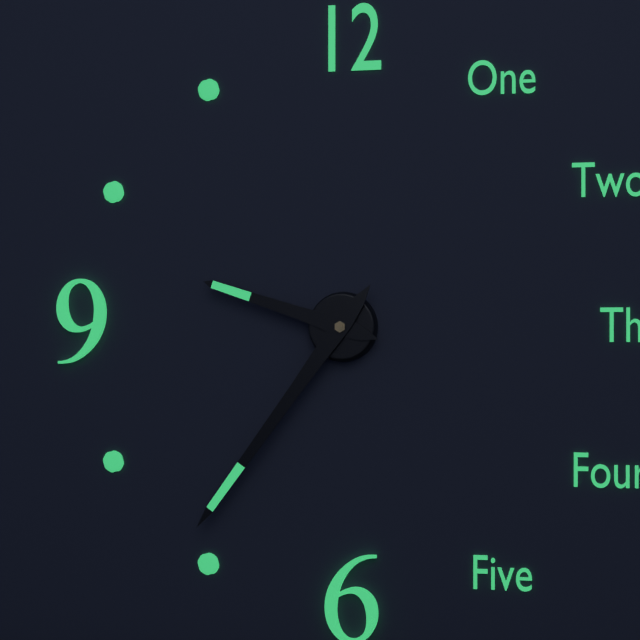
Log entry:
9h36
